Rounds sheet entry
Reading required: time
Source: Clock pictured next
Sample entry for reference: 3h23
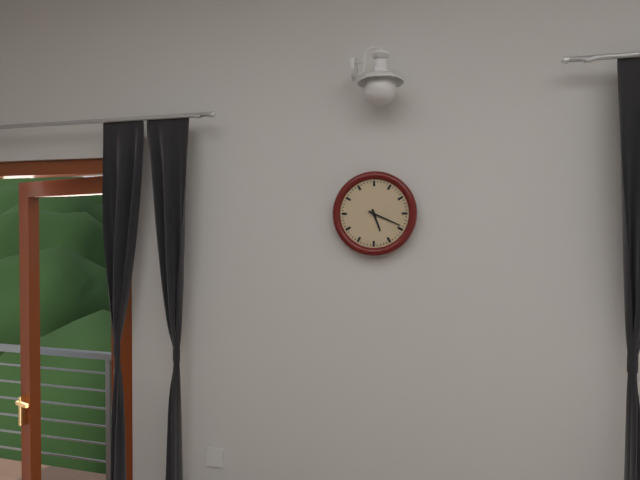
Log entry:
5h19
